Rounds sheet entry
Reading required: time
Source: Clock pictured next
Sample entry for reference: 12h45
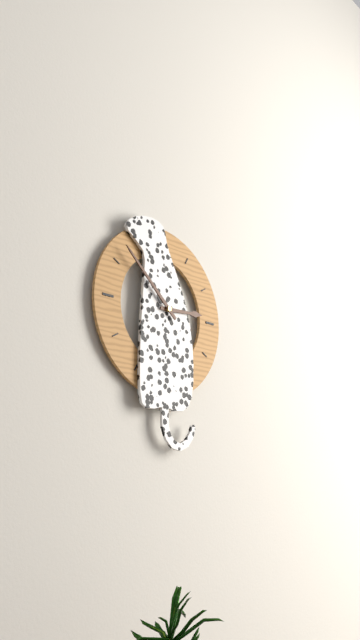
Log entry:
2h52
